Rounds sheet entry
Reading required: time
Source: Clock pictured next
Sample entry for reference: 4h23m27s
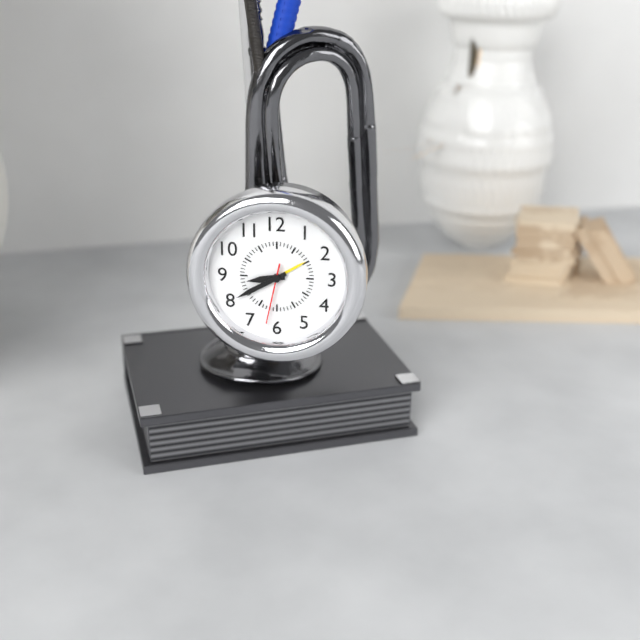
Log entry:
8h40m32s
